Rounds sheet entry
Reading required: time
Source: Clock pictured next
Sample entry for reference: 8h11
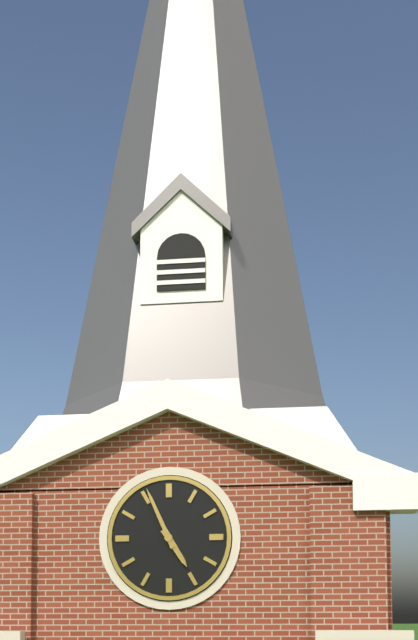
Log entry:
4h56
